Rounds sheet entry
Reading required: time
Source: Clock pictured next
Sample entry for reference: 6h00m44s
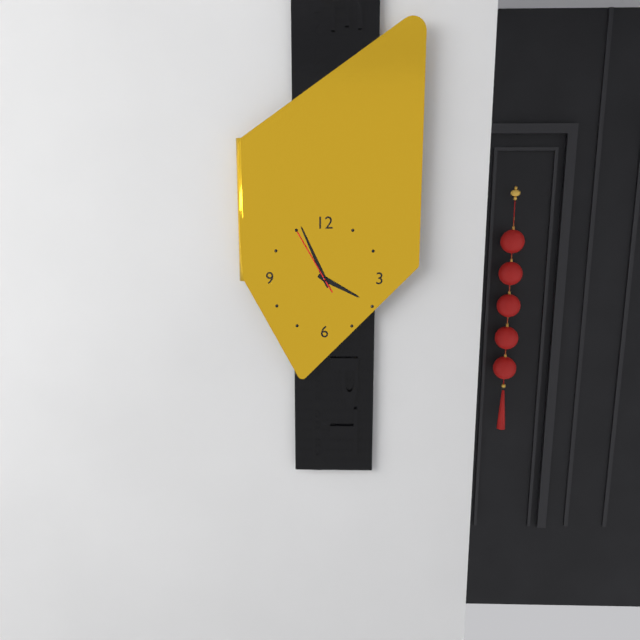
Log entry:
3h56m55s
